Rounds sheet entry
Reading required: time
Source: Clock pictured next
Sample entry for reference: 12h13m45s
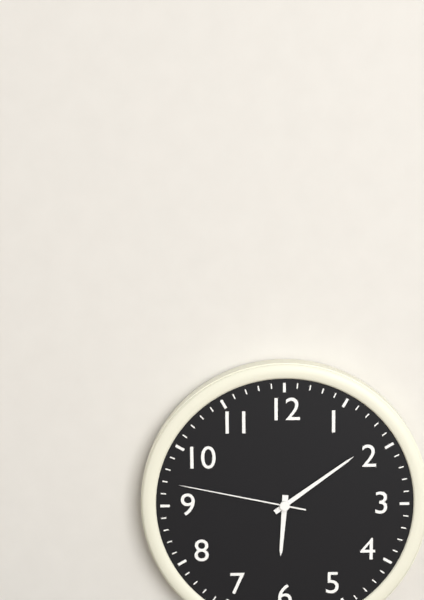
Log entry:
6h09m47s
